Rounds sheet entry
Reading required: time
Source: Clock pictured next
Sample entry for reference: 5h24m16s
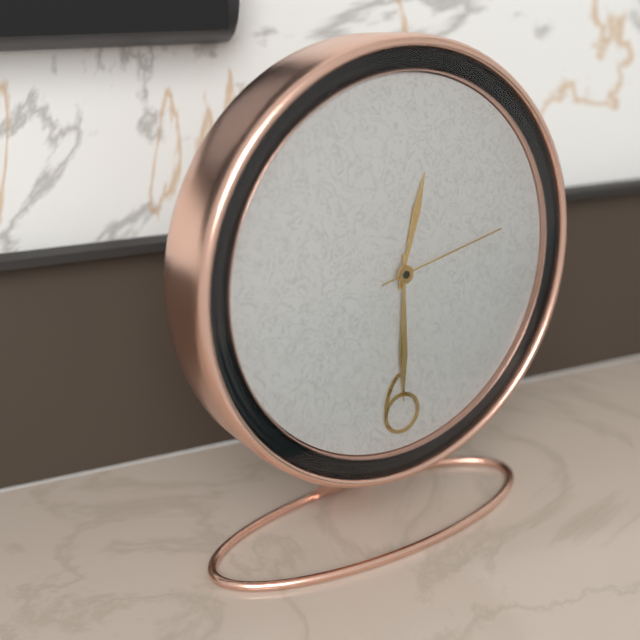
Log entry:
12h30m13s
